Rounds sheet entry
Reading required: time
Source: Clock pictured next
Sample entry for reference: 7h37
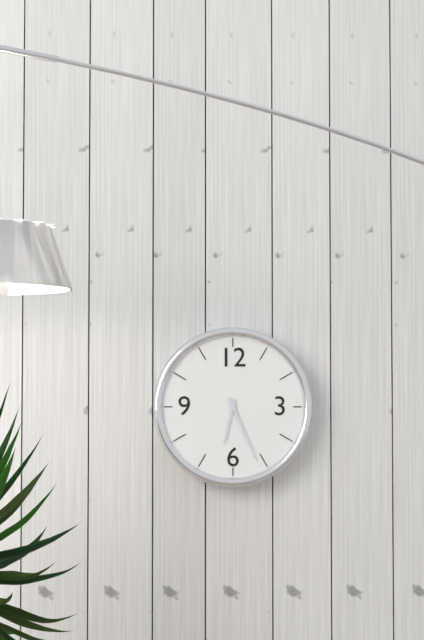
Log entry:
6h26
